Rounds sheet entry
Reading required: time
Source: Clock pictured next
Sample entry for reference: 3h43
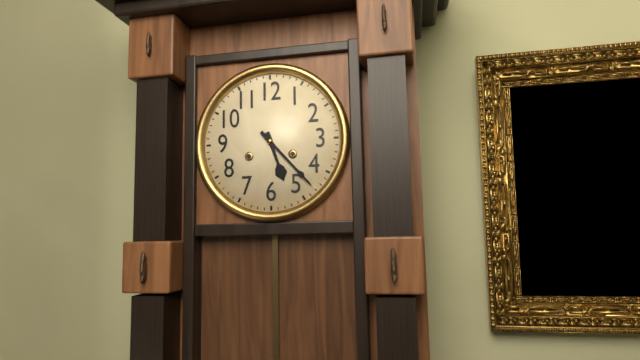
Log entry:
5h23
